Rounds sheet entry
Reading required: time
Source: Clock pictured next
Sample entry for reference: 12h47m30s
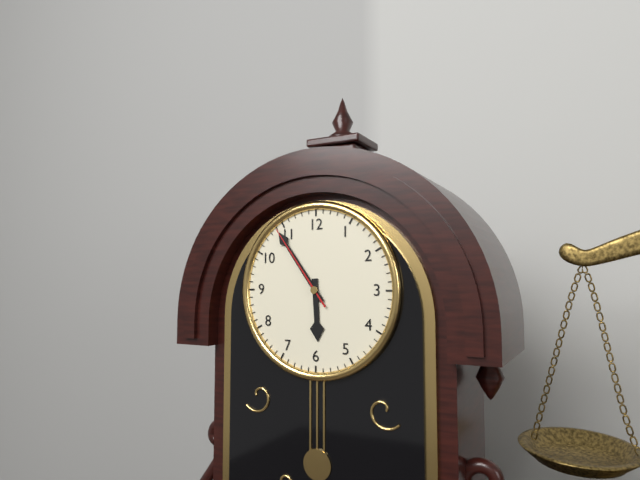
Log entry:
5h54m54s
